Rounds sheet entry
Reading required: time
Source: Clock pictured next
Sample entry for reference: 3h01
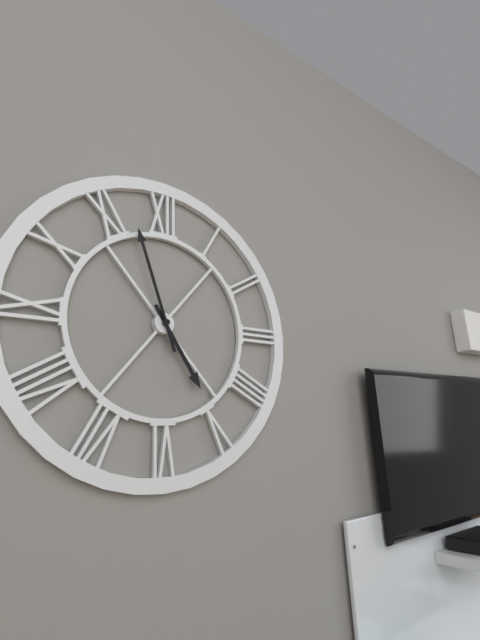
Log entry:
4h57
